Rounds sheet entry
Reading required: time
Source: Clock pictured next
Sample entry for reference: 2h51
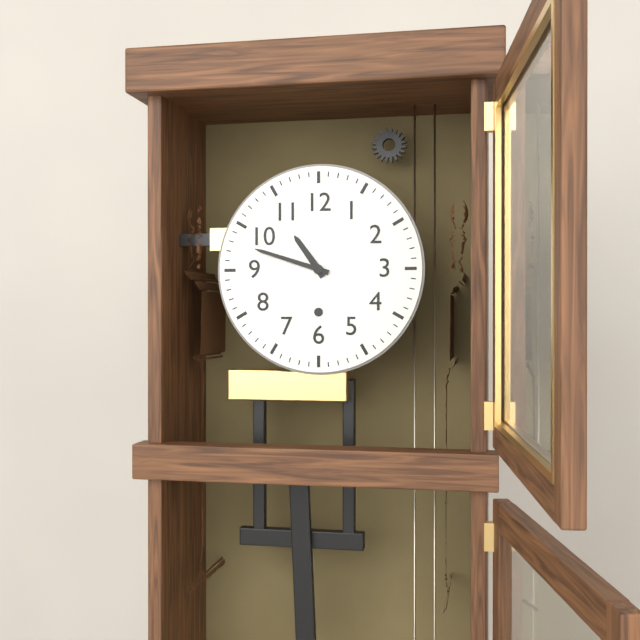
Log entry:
10h48
